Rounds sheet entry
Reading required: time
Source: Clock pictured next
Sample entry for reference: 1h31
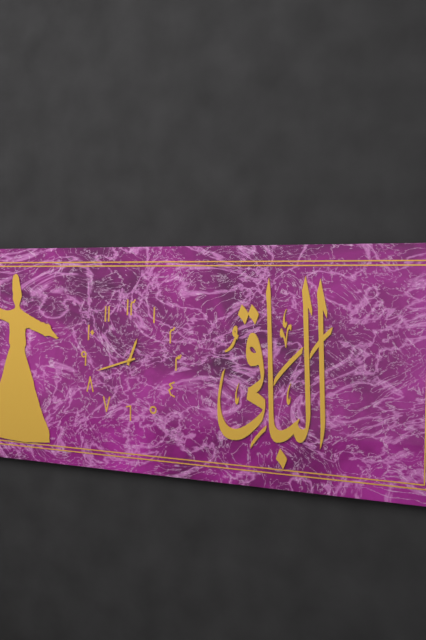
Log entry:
12h42
